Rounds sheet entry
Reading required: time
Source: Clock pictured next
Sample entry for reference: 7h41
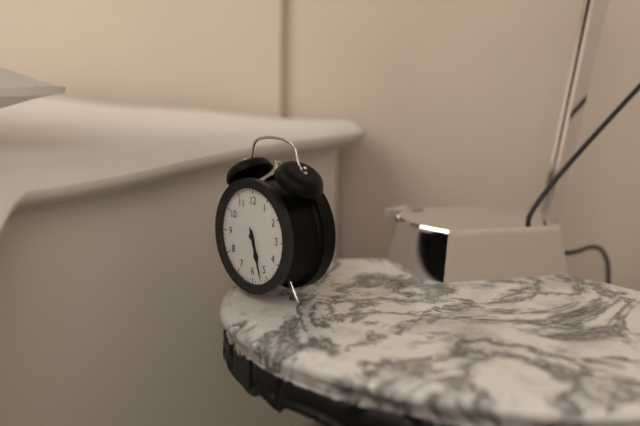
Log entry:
5h27
